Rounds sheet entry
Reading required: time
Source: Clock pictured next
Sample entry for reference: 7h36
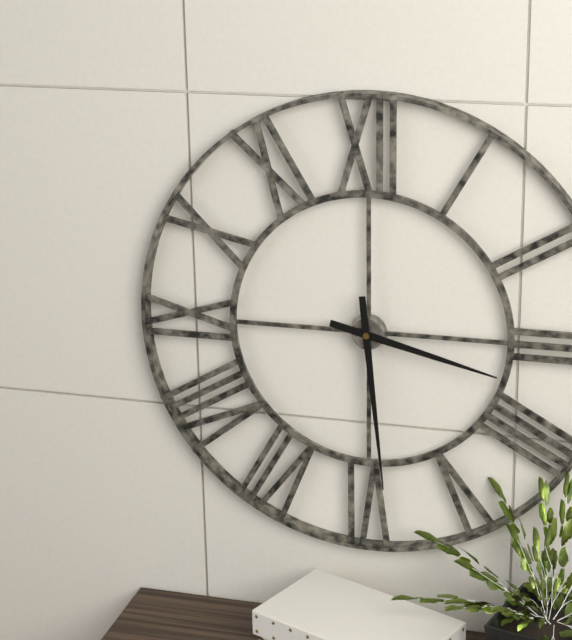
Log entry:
3h29
